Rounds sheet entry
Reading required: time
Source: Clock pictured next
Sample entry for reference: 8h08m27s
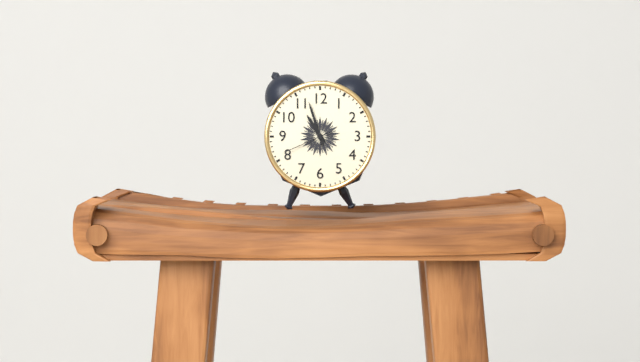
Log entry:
10h57m41s
